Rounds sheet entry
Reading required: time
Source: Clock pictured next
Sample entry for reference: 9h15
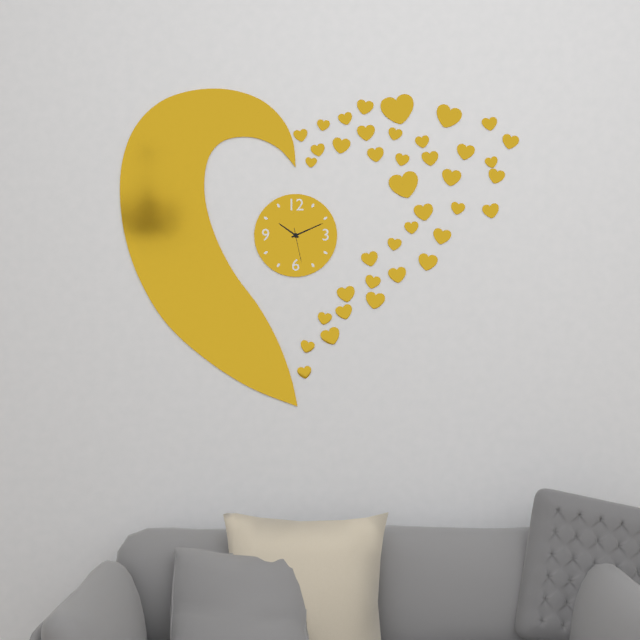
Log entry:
10h11
